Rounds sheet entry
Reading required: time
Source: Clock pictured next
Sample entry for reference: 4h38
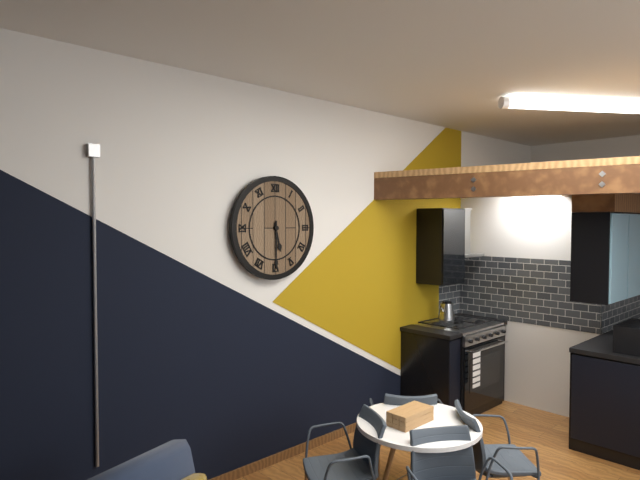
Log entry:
5h30
